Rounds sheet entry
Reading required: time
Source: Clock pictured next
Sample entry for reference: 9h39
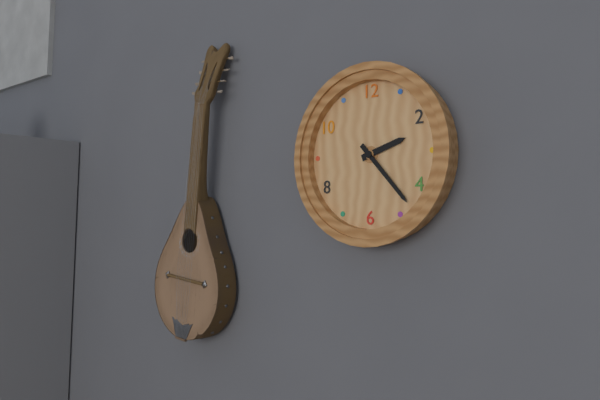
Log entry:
2h23
